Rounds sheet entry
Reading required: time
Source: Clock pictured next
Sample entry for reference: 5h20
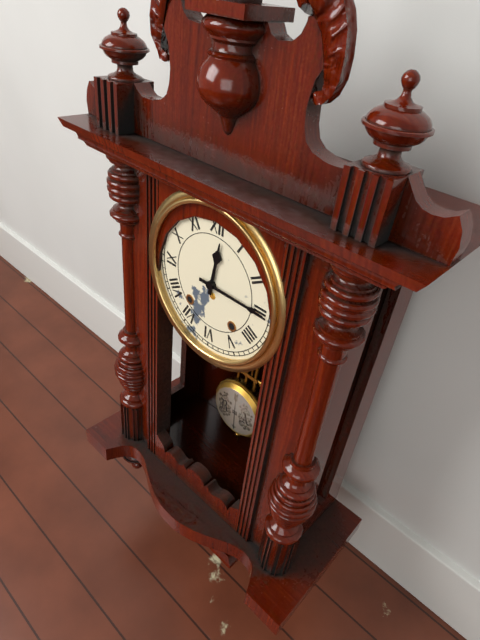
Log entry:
12h15
